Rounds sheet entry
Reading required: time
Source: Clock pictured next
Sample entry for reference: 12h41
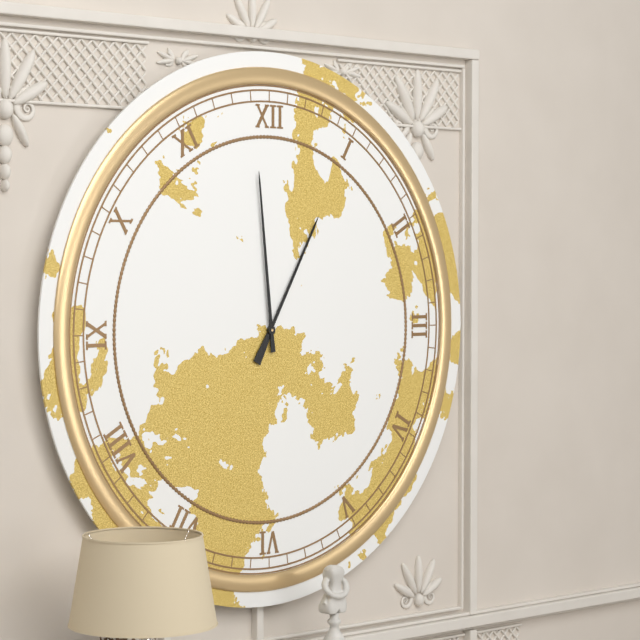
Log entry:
12h59
